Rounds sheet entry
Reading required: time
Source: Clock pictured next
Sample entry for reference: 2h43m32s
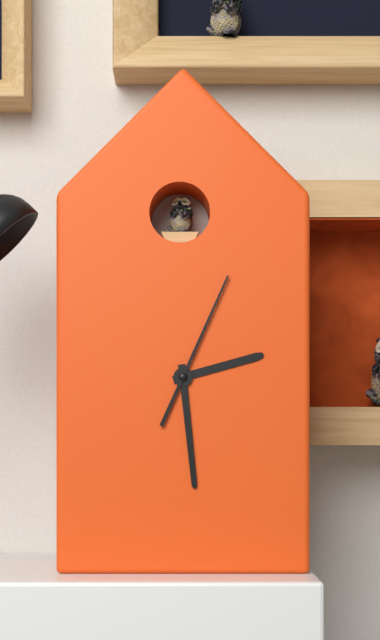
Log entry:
2h29m04s
